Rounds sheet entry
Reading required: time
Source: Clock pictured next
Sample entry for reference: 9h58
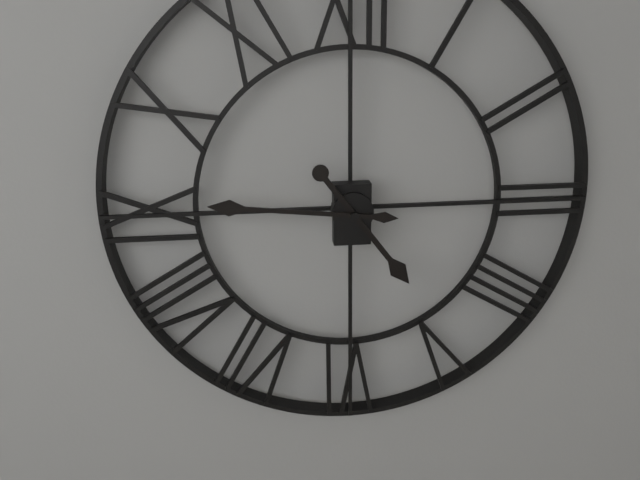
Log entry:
4h46
